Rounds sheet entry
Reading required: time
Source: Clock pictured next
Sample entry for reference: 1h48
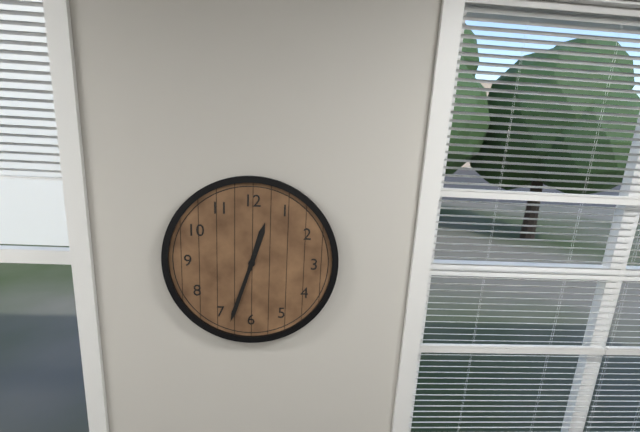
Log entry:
12h33
